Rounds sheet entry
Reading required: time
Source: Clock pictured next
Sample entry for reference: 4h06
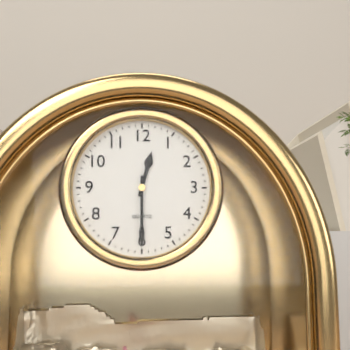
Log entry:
12h30
